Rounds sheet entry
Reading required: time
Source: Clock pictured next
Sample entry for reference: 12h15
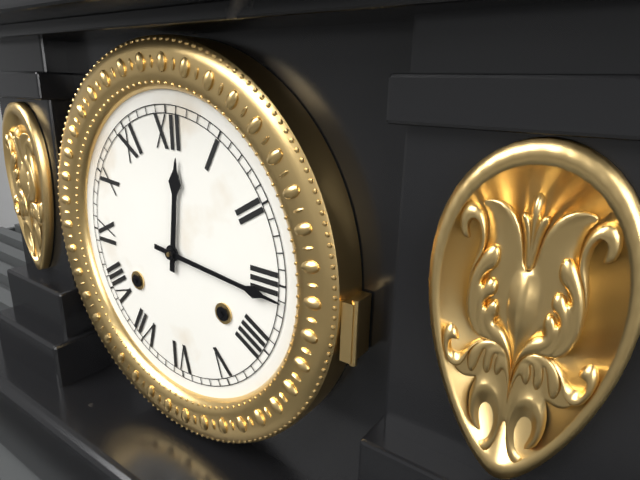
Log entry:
12h16
